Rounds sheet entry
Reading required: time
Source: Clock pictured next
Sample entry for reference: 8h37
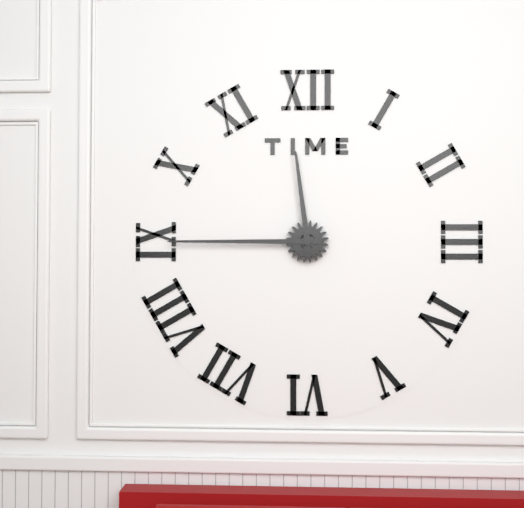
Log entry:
11h45
